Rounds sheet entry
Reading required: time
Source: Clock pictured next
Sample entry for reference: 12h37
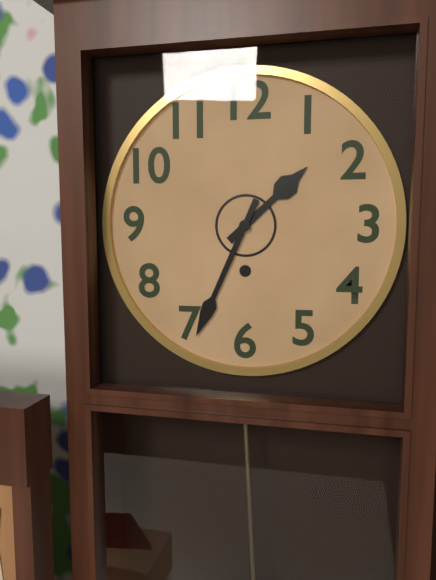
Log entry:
1h34
